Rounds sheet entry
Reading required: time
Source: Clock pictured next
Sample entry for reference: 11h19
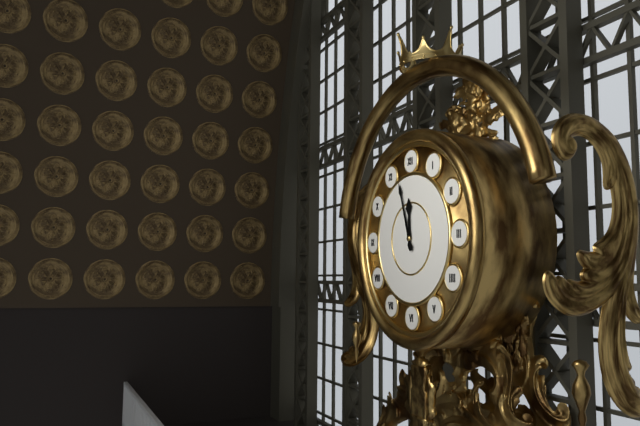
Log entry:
11h57
